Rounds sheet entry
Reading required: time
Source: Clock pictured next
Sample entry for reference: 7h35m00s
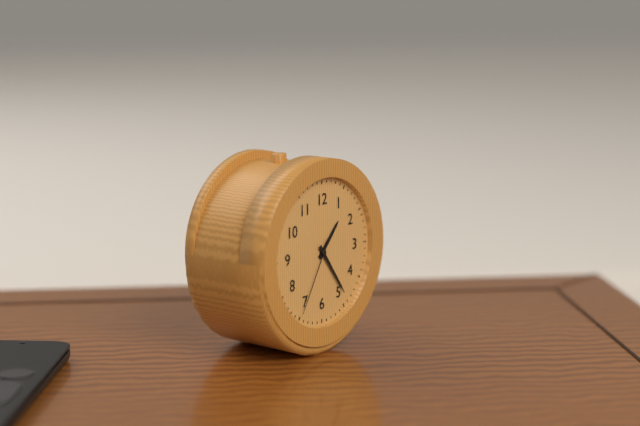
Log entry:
1h24m35s
